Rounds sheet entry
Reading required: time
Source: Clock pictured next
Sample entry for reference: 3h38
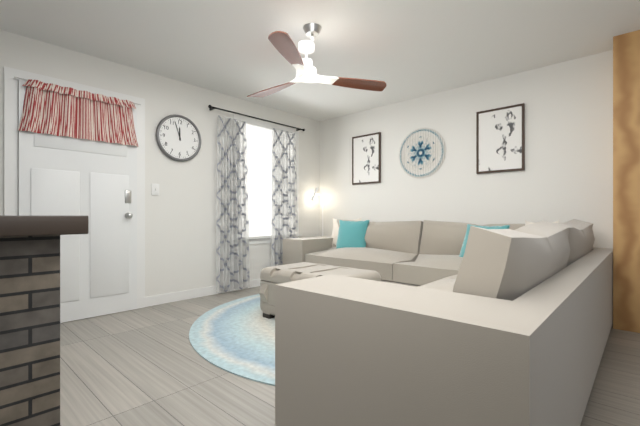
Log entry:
11h57
